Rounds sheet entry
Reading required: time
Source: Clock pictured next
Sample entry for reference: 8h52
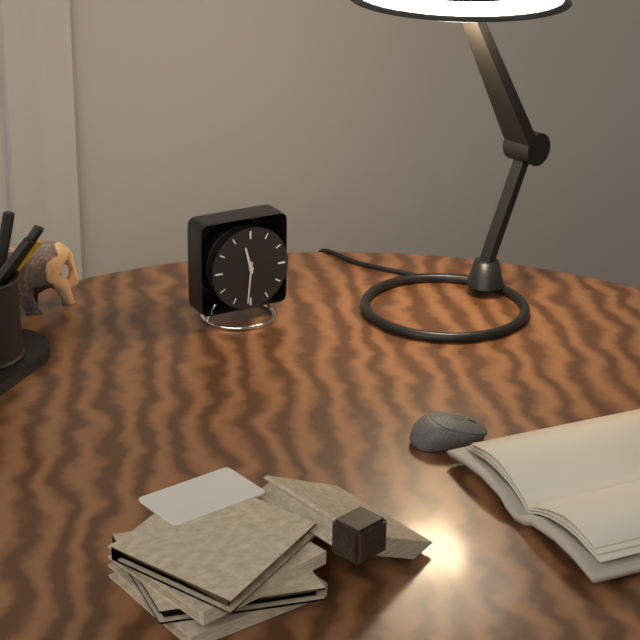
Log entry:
11h31
